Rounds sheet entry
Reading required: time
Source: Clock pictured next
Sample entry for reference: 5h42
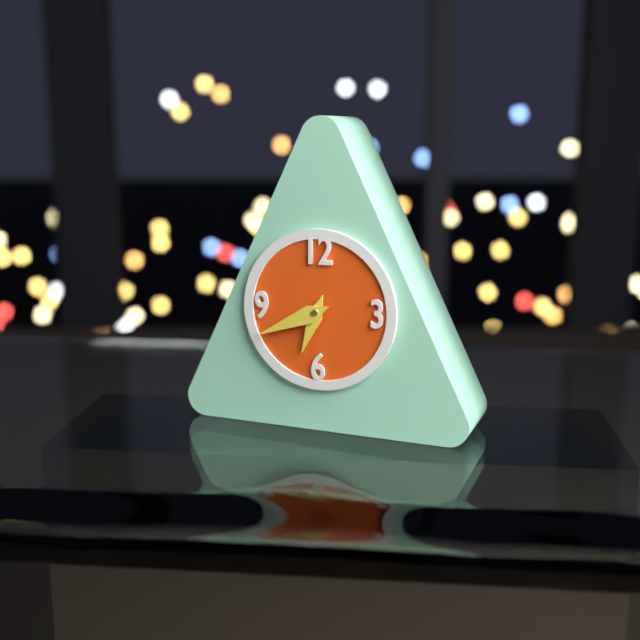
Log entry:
6h41
